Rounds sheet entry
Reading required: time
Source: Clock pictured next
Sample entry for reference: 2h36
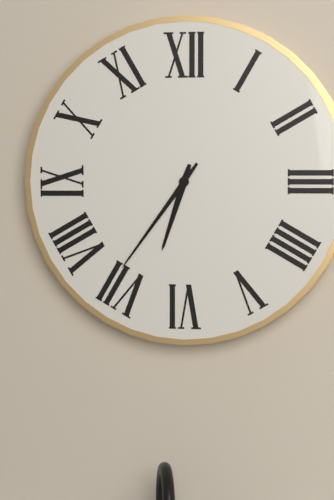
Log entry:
6h36
